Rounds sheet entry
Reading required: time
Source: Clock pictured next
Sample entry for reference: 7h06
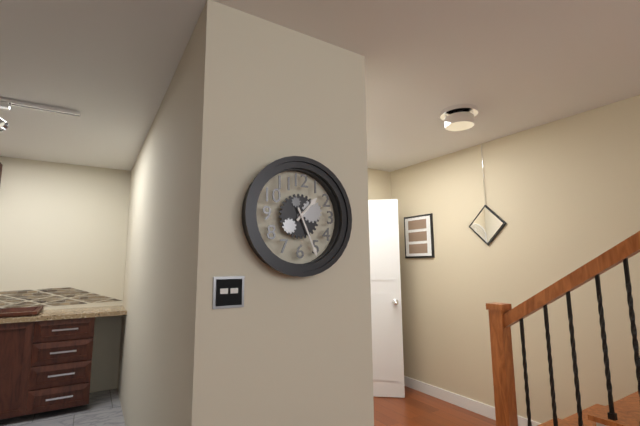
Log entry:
1h26
